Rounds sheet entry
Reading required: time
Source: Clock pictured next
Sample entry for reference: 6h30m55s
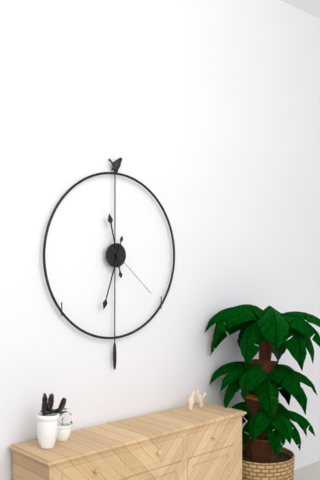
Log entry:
11h33m22s
